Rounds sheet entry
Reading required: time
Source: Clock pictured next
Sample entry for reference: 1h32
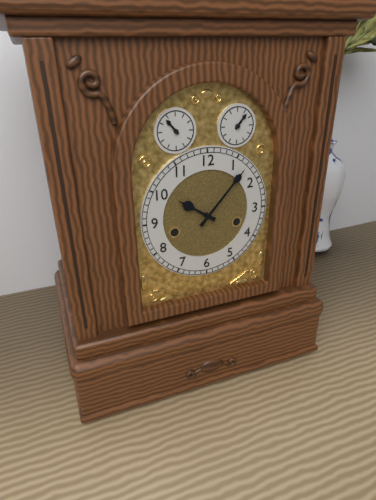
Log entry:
10h07
